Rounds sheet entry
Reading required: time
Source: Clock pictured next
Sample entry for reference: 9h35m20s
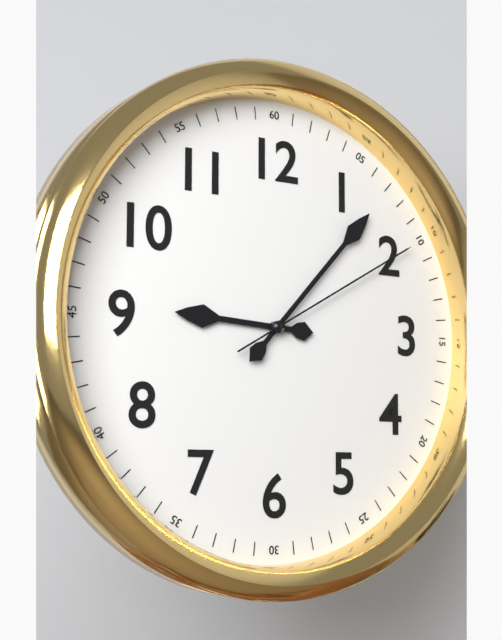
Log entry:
9h07m10s
